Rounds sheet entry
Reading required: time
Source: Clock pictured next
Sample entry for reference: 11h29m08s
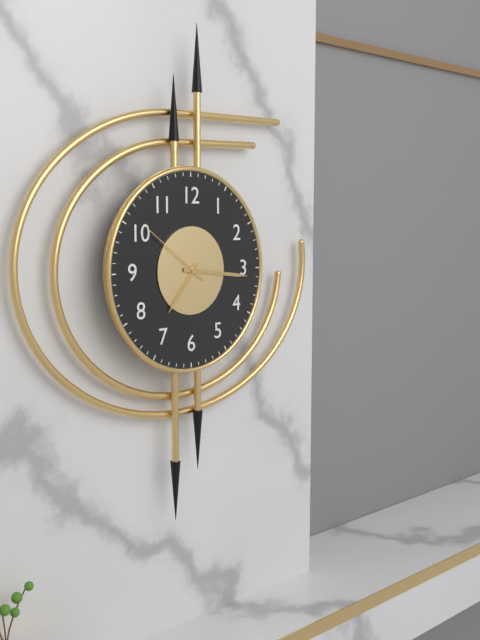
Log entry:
7h16m51s
